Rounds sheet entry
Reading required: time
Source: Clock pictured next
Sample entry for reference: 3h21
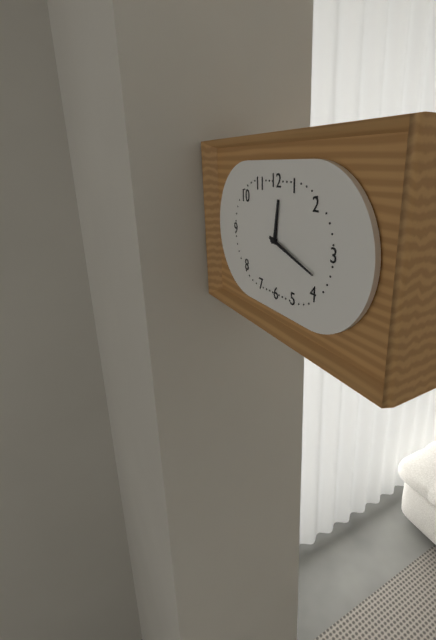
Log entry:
12h18
